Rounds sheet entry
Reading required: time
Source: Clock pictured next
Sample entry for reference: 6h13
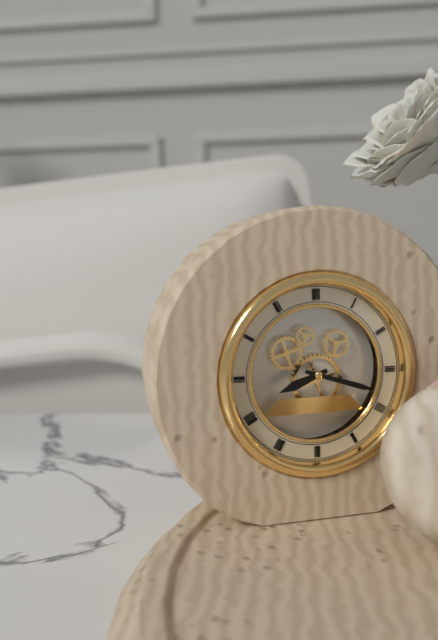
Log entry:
8h18
